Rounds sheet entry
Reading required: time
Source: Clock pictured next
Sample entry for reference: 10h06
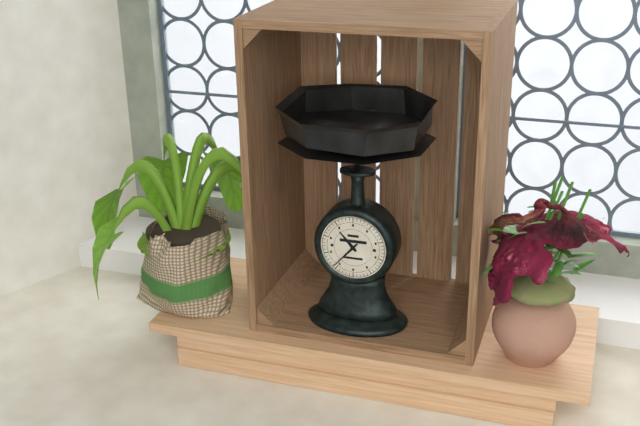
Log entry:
10h37
